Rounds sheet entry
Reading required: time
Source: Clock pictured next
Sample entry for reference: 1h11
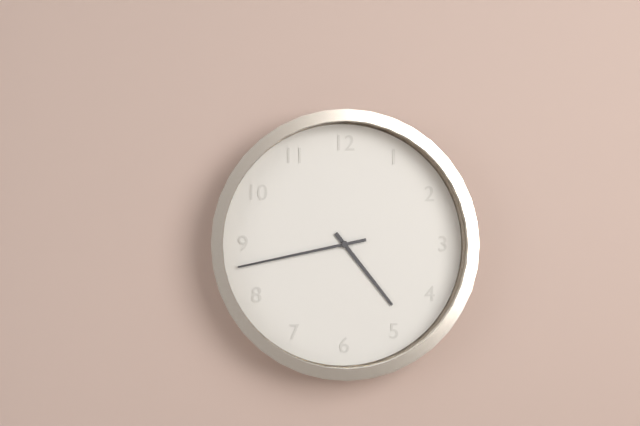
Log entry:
4h43
